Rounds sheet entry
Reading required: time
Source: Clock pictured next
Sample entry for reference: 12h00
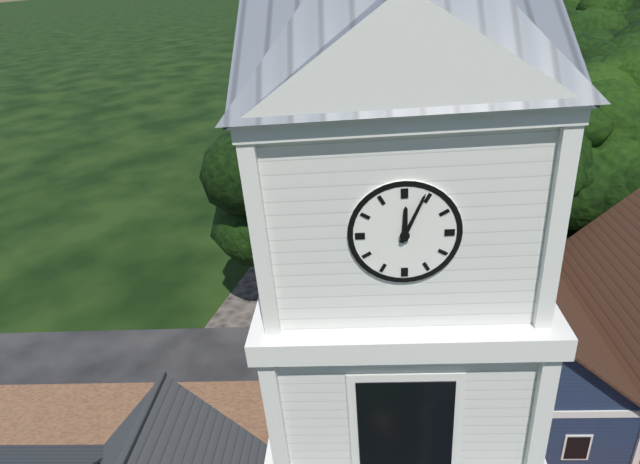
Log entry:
12h04
